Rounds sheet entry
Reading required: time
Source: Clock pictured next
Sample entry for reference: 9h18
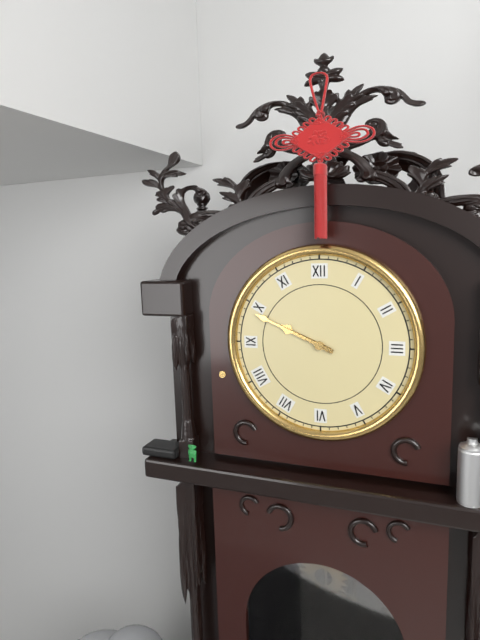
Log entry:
9h49
